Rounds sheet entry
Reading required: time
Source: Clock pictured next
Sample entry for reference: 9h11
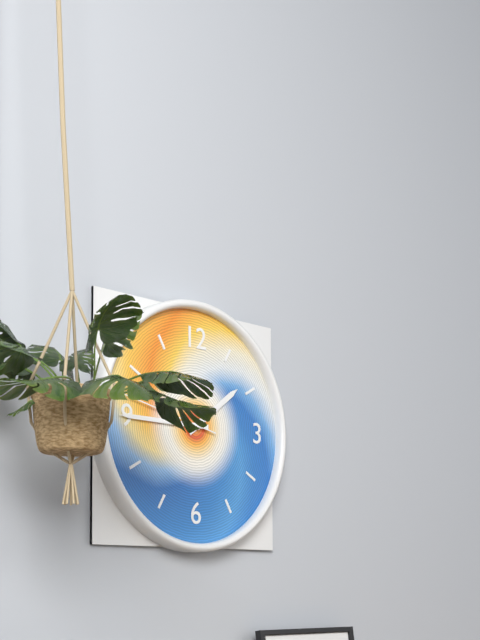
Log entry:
1h45
